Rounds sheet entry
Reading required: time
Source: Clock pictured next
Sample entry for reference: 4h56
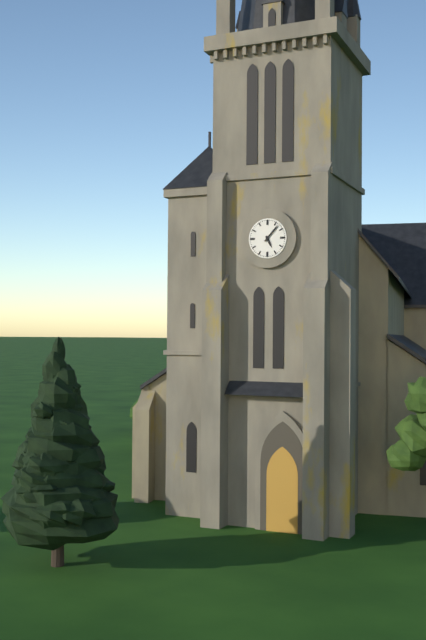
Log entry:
5h07
